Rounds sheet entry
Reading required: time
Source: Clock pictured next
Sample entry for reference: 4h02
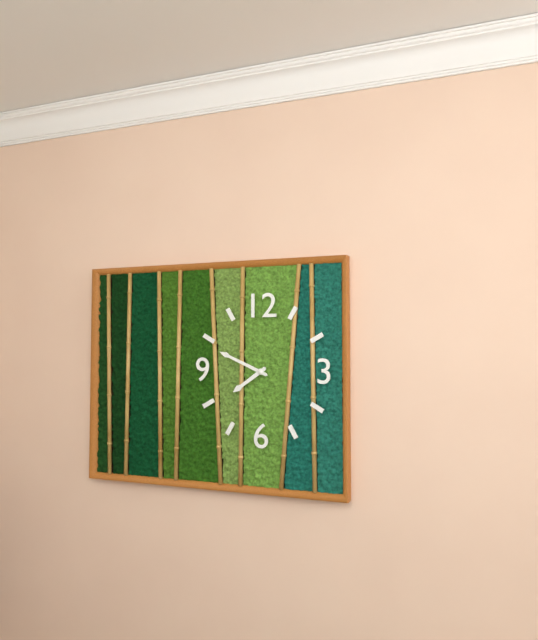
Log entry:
7h49
